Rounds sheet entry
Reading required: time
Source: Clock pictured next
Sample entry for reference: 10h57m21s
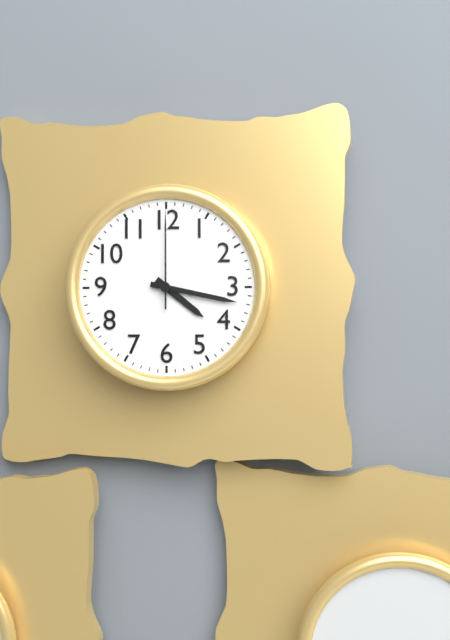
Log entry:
4h17m00s
